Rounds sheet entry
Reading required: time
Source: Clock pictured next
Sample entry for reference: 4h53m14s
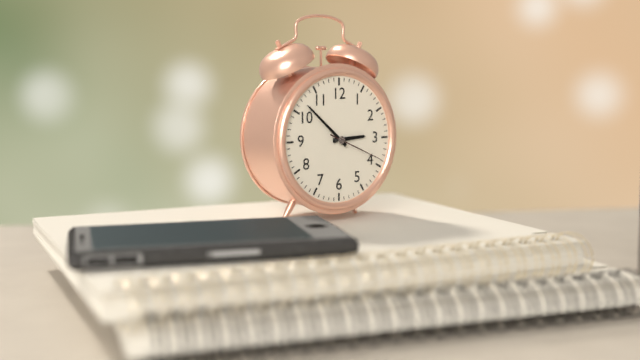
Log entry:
2h52m19s
